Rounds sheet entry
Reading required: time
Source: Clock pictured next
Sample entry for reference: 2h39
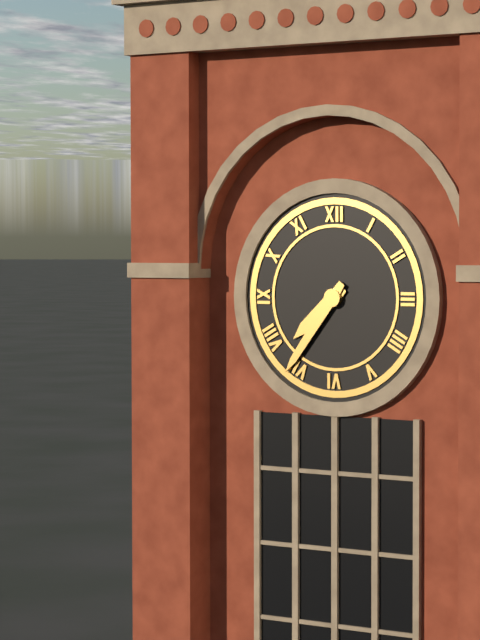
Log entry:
7h36
